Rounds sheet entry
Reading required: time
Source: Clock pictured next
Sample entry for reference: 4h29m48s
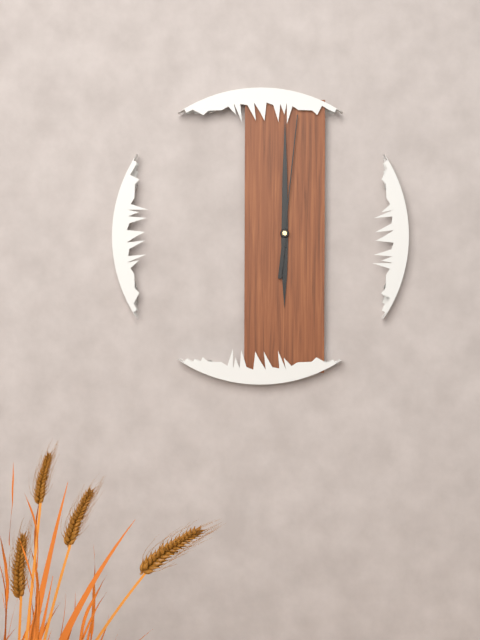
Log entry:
6h00m01s
